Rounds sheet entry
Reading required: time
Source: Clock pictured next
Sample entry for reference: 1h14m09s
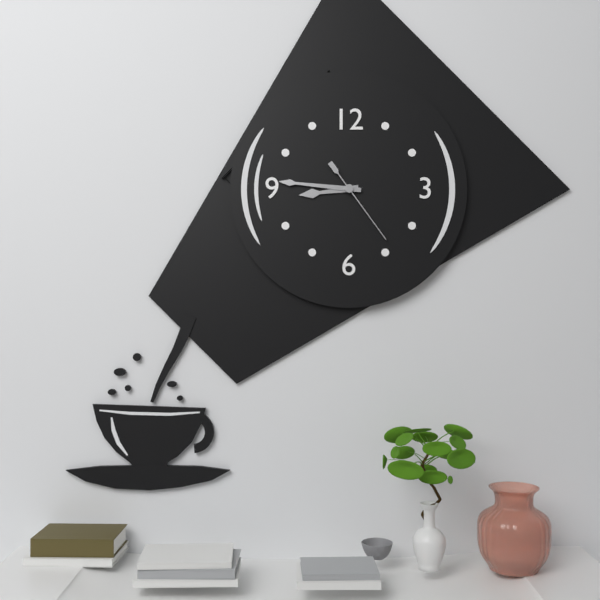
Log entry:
8h46m24s
